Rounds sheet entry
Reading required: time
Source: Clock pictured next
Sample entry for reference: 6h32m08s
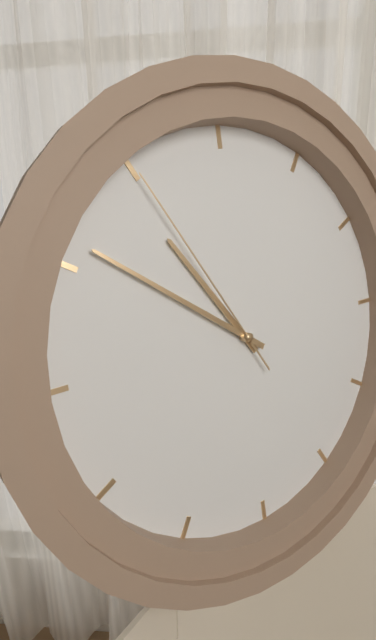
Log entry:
10h51m55s
